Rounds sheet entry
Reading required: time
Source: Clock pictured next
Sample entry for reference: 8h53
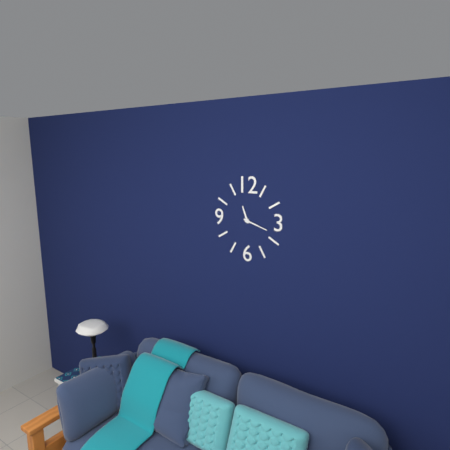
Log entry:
11h18
